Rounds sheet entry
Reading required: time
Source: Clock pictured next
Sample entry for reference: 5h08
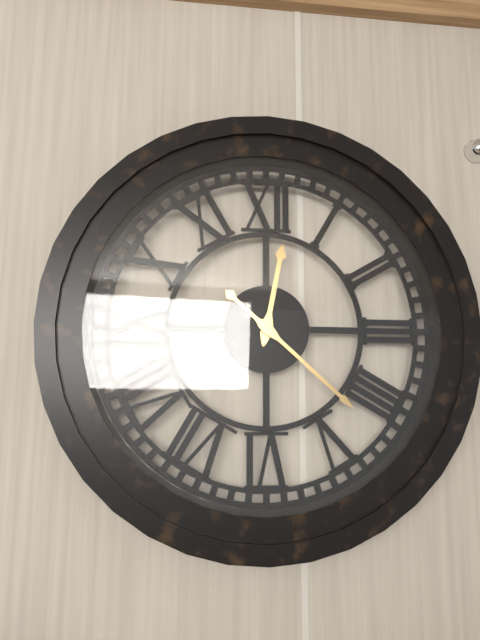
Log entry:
12h22
